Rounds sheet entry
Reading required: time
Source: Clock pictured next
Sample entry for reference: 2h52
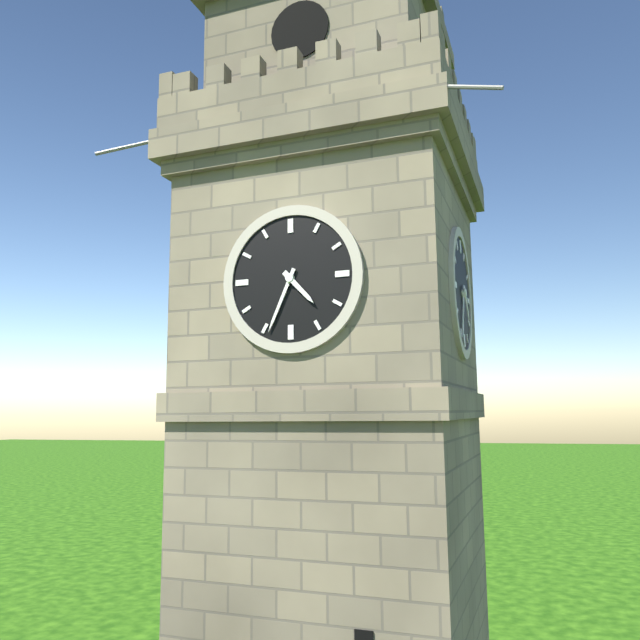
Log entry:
4h34
